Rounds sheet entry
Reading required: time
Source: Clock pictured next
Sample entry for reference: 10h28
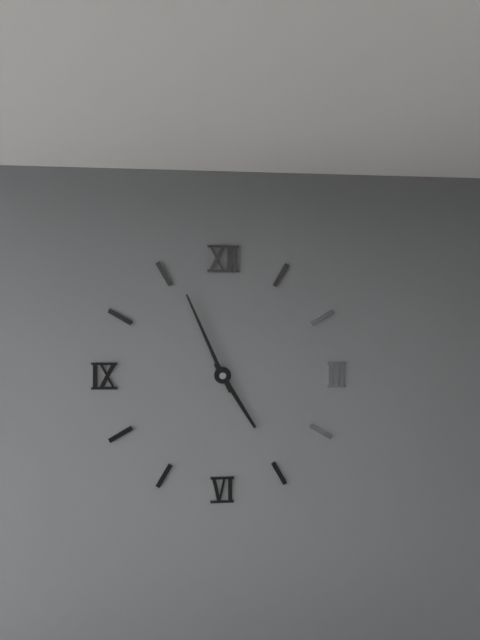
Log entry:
4h56
